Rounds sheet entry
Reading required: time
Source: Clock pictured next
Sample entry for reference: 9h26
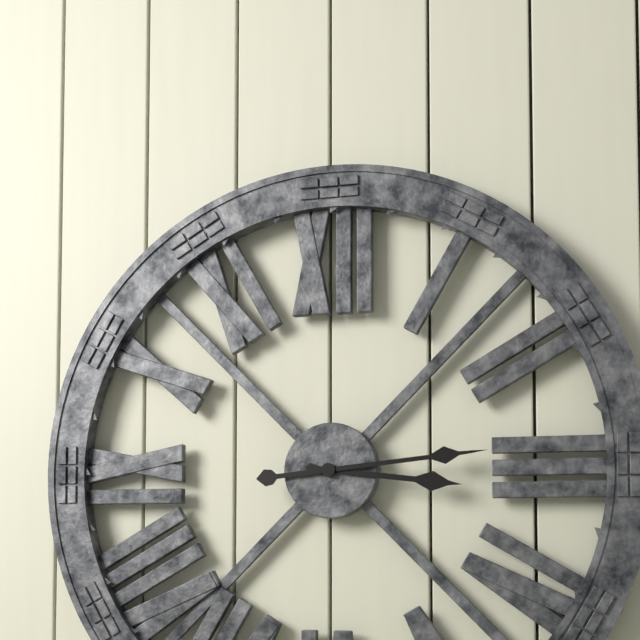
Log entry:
3h14
